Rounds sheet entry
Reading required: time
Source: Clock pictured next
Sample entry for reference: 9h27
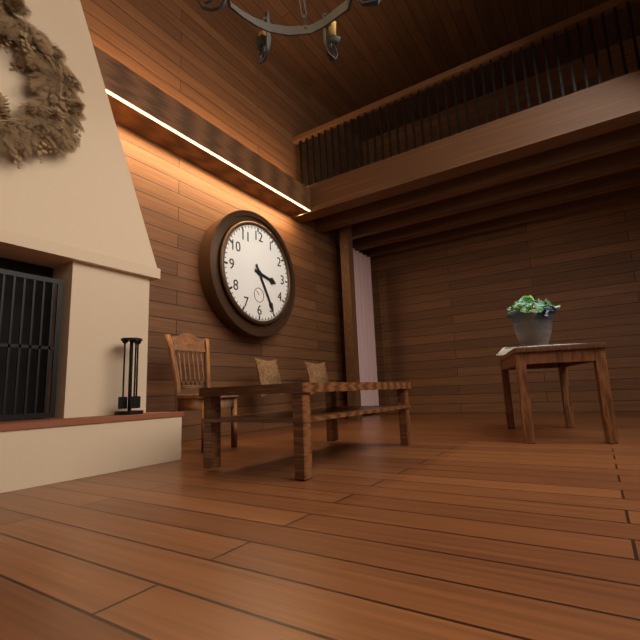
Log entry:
3h25
